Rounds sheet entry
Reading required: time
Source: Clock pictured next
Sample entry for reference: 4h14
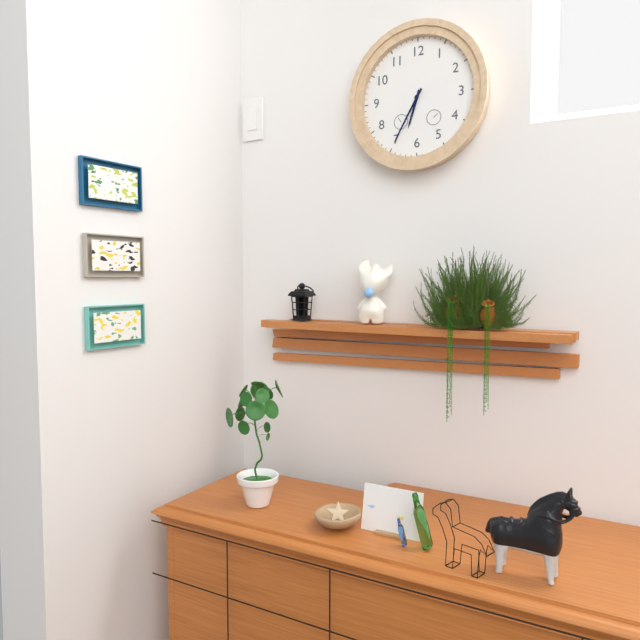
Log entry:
6h35
